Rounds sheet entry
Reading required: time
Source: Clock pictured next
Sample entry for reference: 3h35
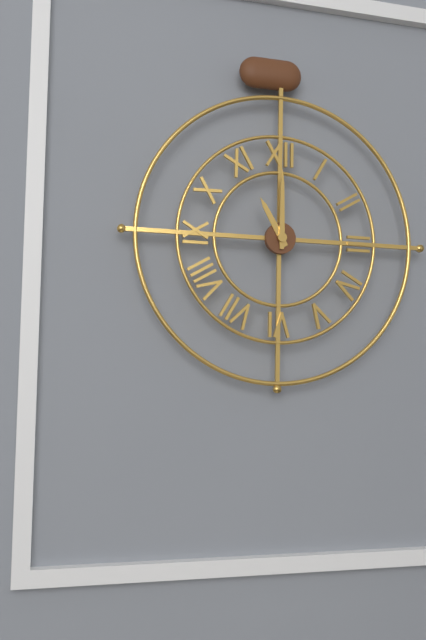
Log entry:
11h00
